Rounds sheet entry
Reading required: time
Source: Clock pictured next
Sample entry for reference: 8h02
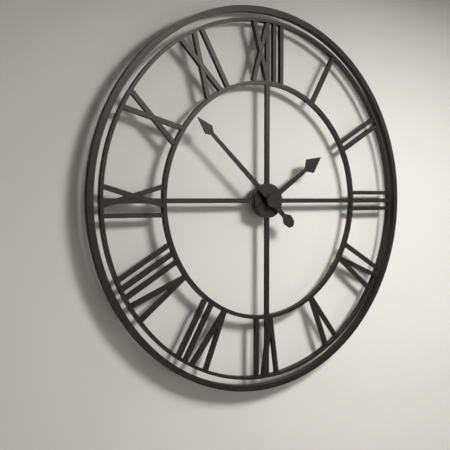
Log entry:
1h52
